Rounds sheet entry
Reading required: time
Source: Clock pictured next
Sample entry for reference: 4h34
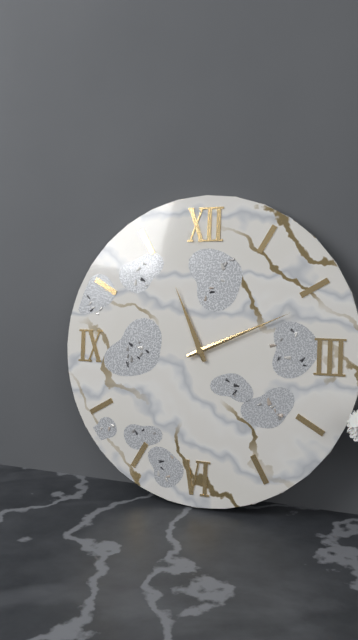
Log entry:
11h11
